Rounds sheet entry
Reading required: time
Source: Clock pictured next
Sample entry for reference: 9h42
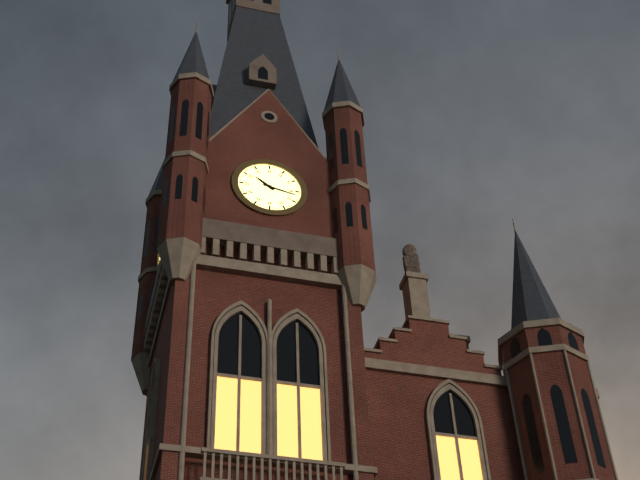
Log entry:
10h17
